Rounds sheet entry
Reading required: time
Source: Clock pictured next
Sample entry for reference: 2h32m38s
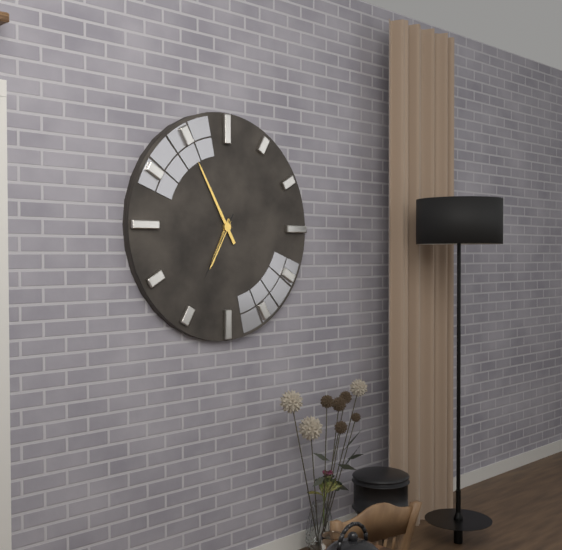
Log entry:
6h55m35s
